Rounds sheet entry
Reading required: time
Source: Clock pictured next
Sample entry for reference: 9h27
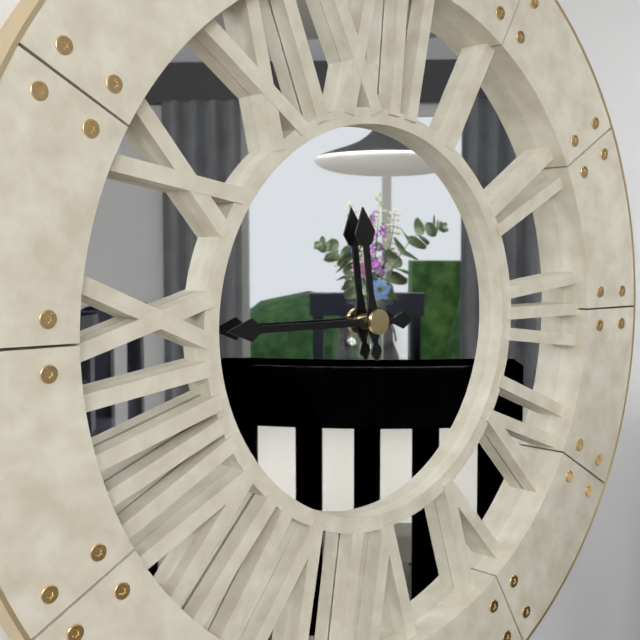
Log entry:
11h45
